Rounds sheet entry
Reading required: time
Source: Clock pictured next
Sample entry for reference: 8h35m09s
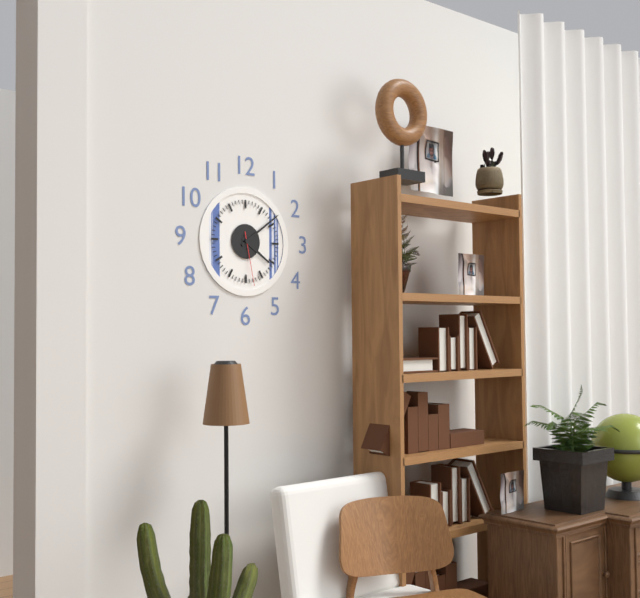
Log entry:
4h09m28s
